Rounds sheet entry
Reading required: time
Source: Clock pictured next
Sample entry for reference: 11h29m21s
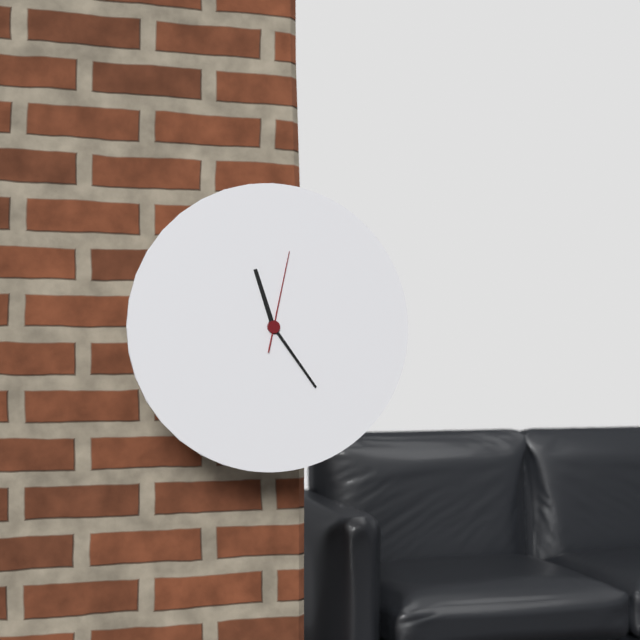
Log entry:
11h24m02s
